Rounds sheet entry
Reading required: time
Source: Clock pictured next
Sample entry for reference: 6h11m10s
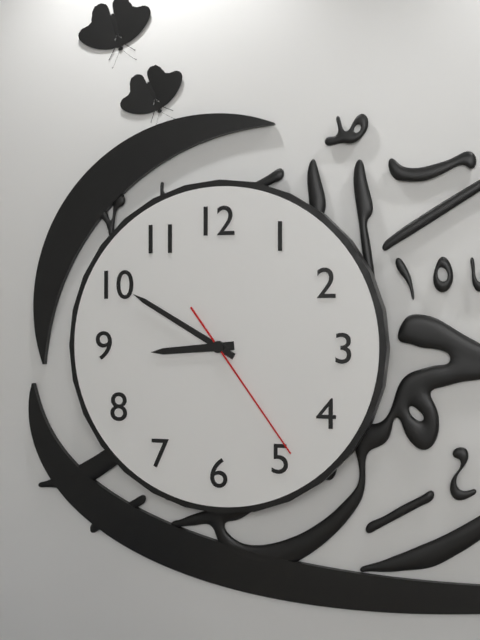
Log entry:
8h50m24s
